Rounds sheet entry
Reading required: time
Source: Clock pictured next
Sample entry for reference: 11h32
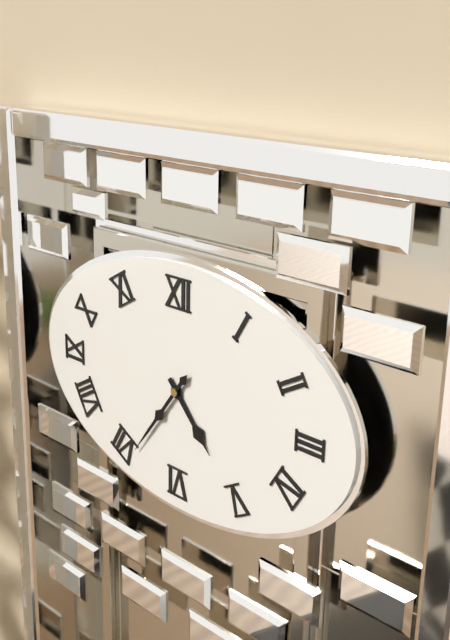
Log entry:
4h36
